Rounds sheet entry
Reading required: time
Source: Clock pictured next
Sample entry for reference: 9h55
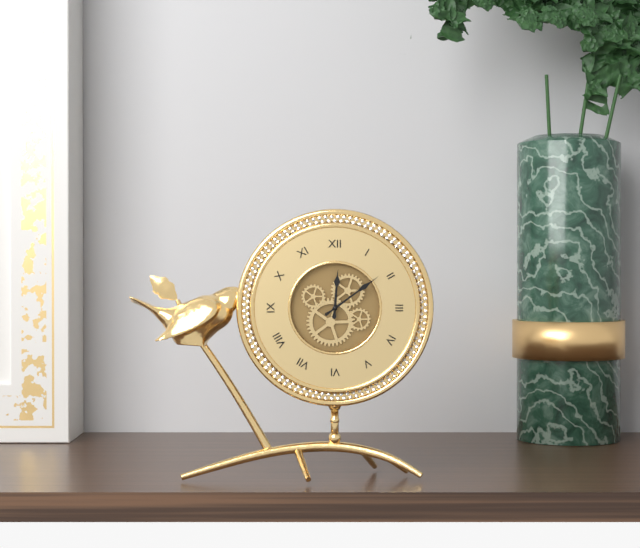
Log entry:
12h09
